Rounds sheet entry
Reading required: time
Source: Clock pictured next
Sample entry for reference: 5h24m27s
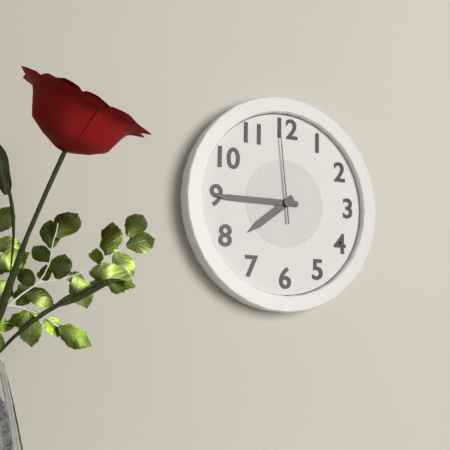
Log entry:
7h45m59s
